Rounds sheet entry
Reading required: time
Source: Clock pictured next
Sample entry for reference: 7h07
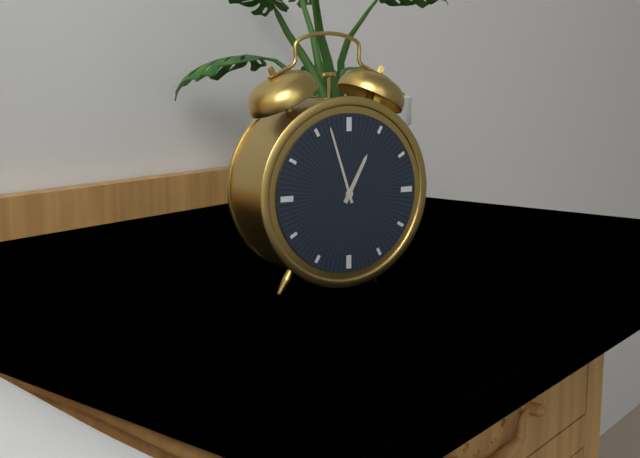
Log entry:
12h57
